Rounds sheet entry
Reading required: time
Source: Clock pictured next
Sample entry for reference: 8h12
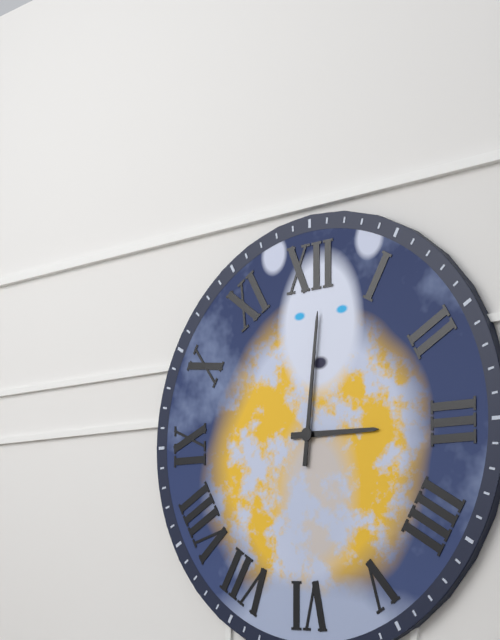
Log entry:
3h01
